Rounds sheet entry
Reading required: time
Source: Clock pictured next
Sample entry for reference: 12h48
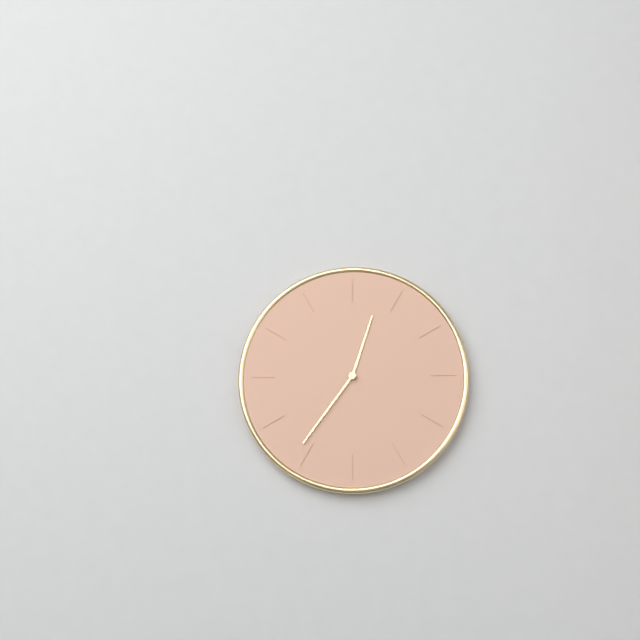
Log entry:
12h36
